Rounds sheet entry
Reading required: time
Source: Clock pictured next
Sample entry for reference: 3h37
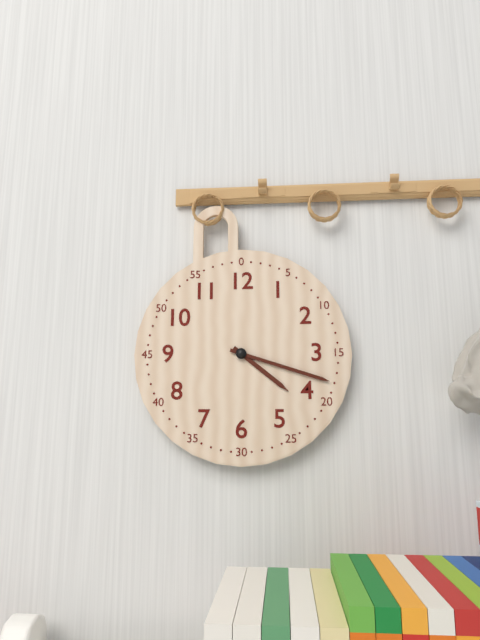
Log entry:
4h18
